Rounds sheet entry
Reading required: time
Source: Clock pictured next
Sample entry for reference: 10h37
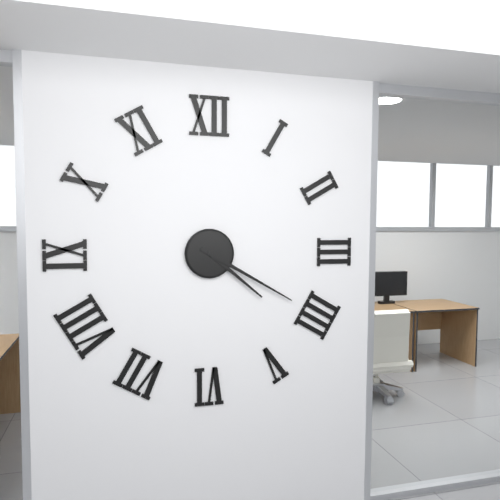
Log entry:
4h20
